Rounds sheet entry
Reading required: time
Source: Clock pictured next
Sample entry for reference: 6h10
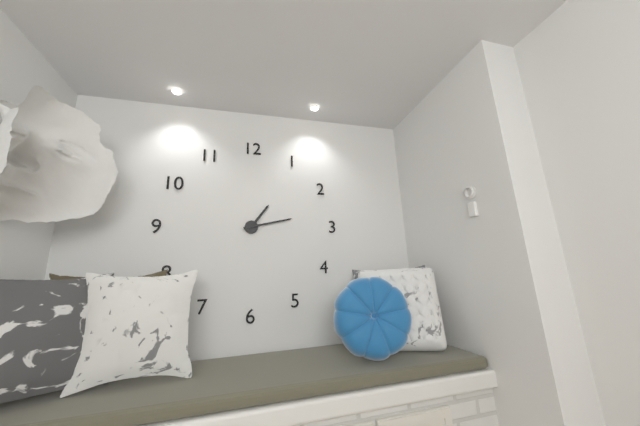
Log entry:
1h13
